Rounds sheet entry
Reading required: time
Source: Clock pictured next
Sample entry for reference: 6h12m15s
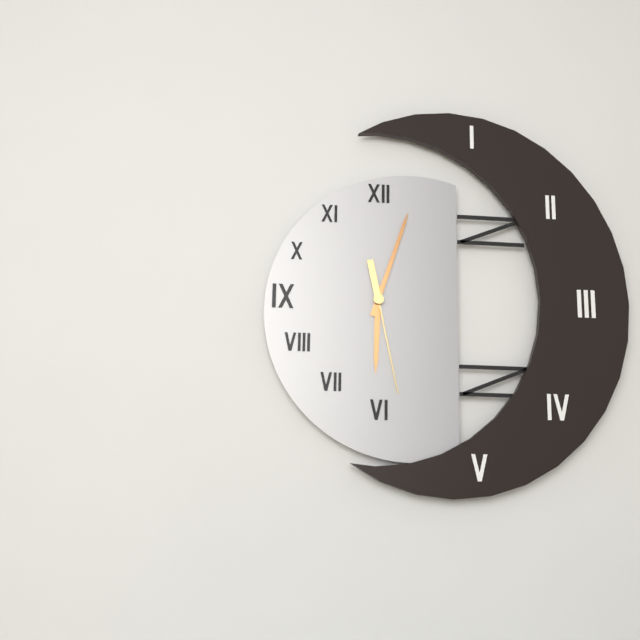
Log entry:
6h03m28s
